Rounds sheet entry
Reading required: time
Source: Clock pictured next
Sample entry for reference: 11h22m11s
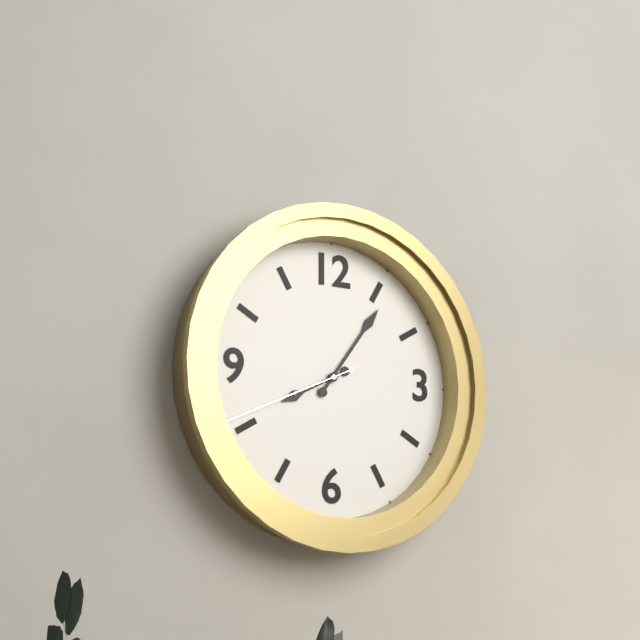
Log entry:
8h06m41s
